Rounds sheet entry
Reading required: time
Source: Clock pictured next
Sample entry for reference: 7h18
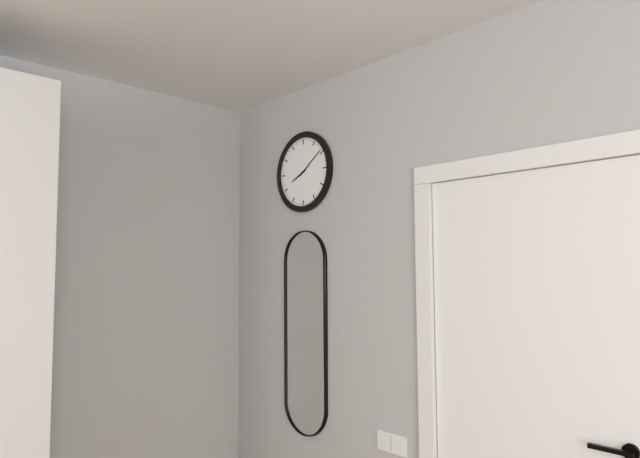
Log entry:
8h09
